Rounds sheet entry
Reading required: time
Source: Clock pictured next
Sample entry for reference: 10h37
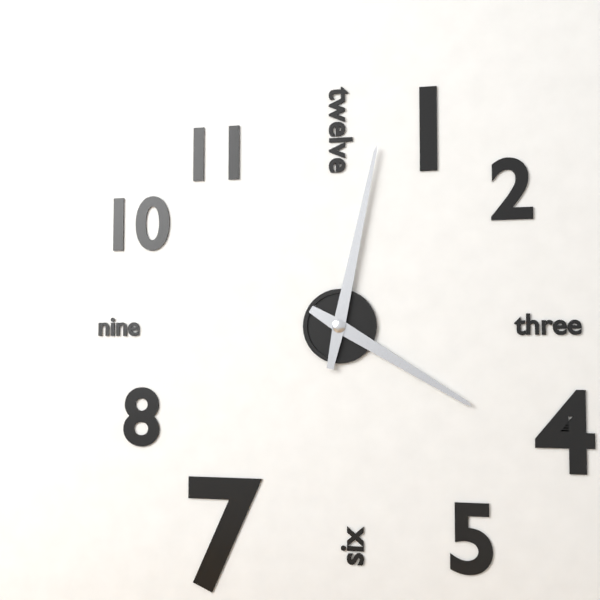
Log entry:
4h02
